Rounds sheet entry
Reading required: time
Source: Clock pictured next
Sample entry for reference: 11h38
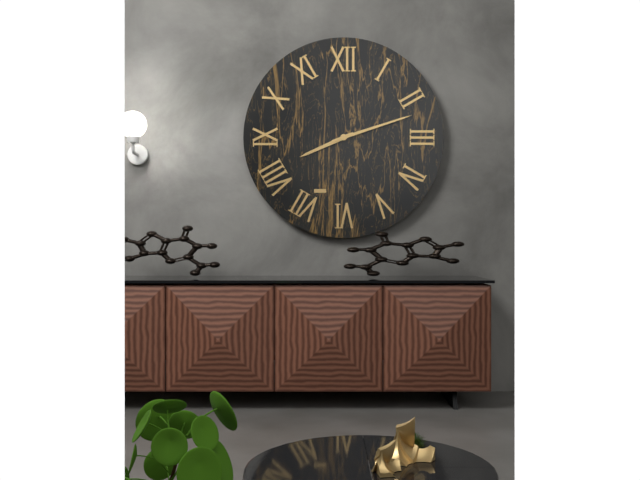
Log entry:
8h12
